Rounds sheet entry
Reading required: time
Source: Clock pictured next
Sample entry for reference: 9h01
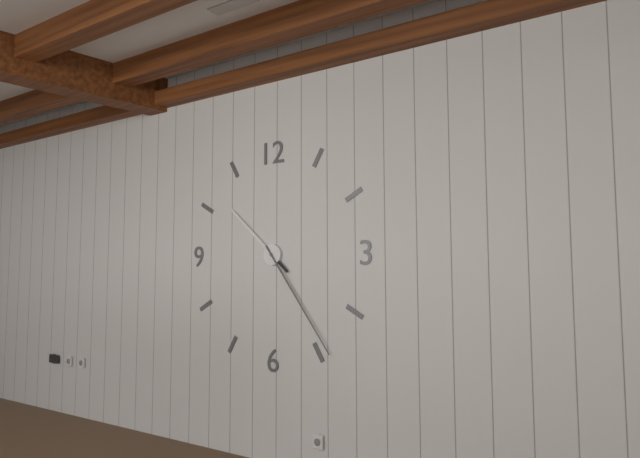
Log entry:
10h24
